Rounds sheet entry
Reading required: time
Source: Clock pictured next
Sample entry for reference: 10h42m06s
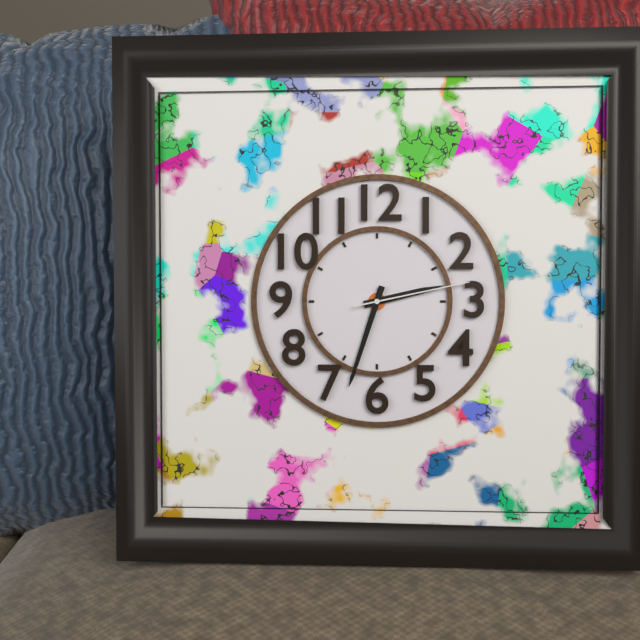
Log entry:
2h33m13s
